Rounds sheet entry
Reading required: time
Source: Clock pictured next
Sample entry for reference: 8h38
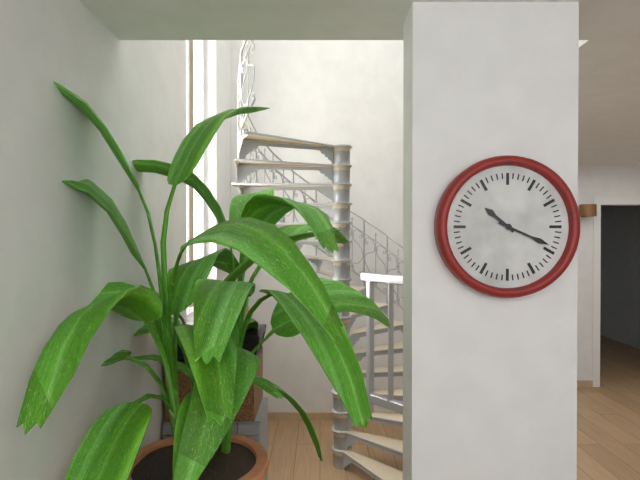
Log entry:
10h19
